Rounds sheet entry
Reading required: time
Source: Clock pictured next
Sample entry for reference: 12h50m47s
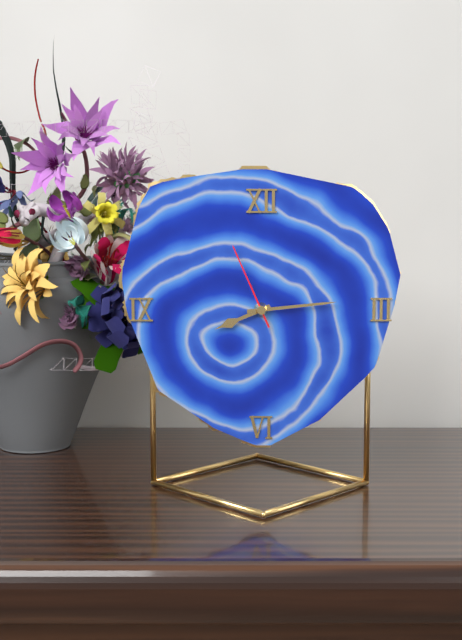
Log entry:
8h14m56s
